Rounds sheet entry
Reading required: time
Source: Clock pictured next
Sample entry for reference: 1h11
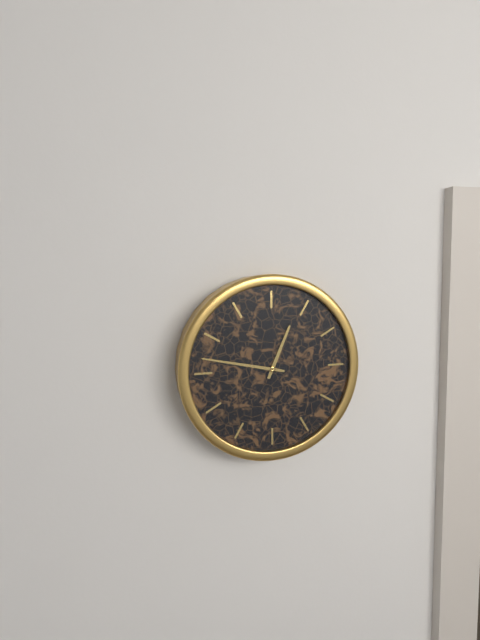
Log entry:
12h47
